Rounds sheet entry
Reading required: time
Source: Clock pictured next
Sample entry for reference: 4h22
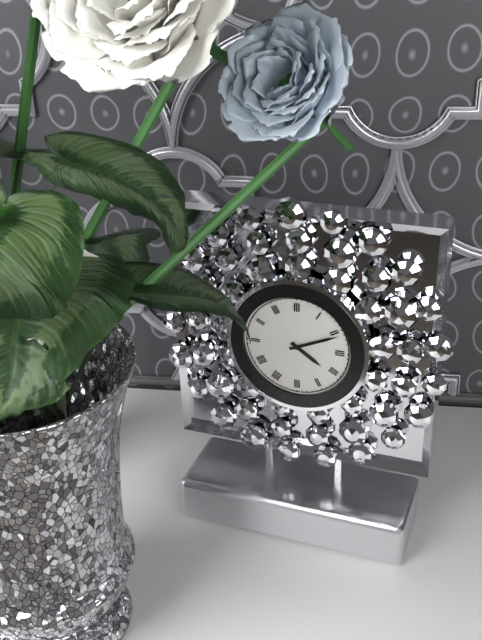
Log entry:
4h11
